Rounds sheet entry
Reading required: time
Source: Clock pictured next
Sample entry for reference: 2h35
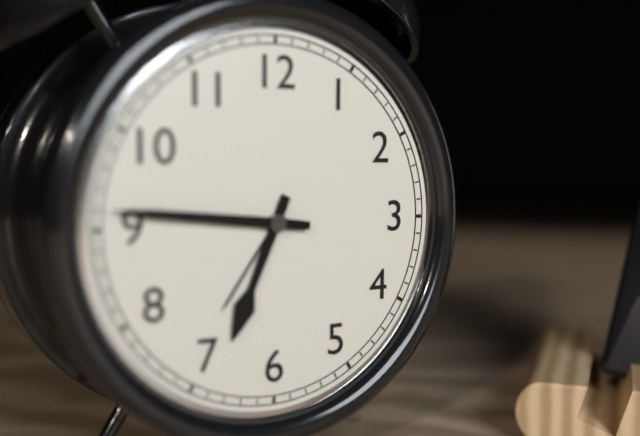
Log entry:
6h46
